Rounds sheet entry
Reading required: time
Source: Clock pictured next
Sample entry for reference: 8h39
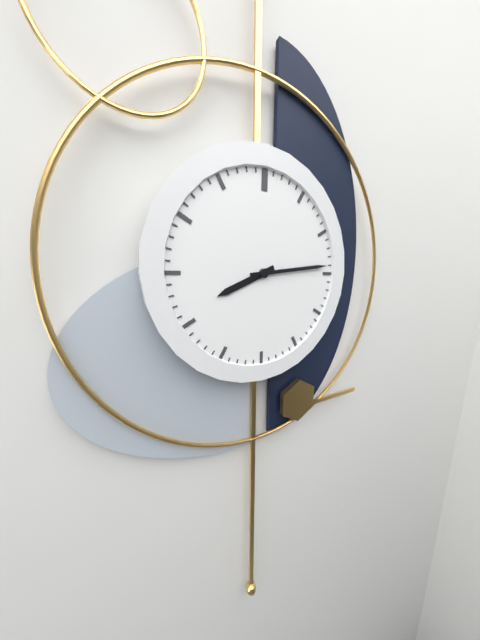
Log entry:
8h14
